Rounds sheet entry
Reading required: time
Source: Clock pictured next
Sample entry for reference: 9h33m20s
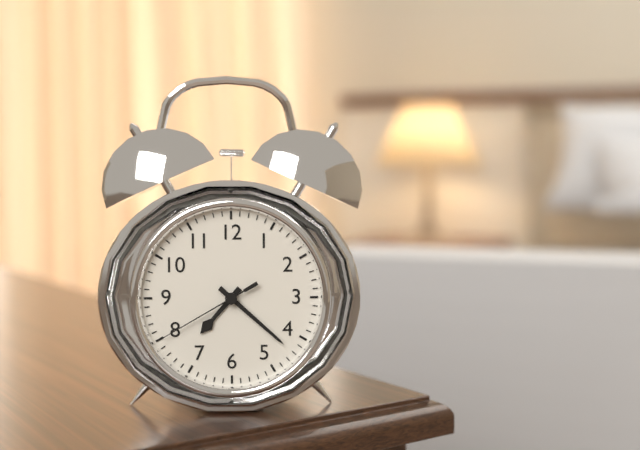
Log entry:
7h22m40s
